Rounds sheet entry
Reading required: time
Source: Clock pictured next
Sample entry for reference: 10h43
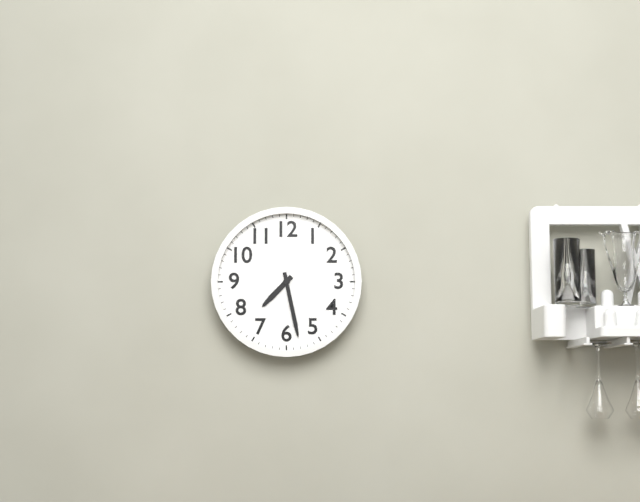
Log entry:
7h28
